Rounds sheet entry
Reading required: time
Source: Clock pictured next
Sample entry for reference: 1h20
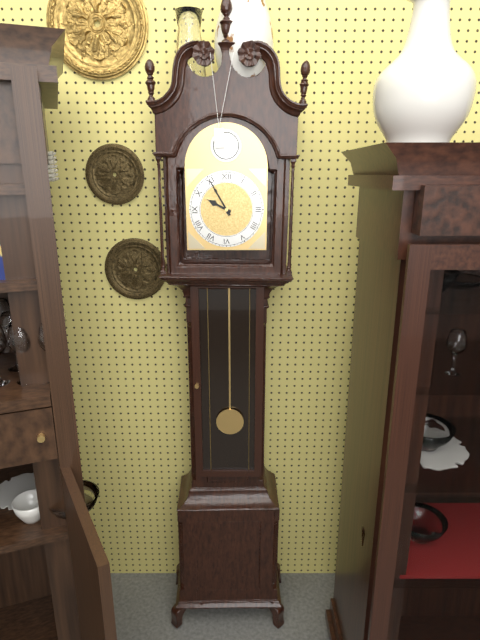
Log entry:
9h55
